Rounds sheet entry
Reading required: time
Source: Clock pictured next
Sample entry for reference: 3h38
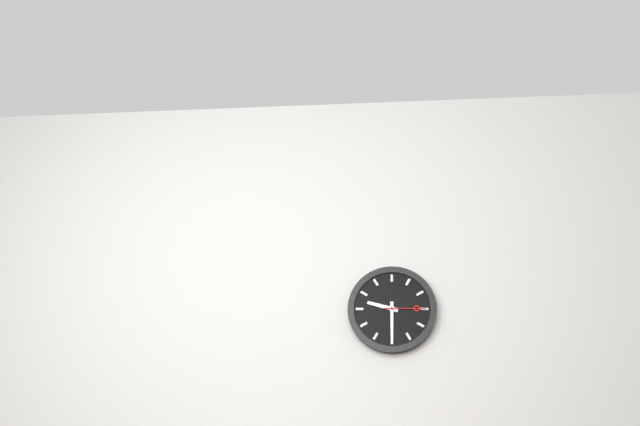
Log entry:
9h30
